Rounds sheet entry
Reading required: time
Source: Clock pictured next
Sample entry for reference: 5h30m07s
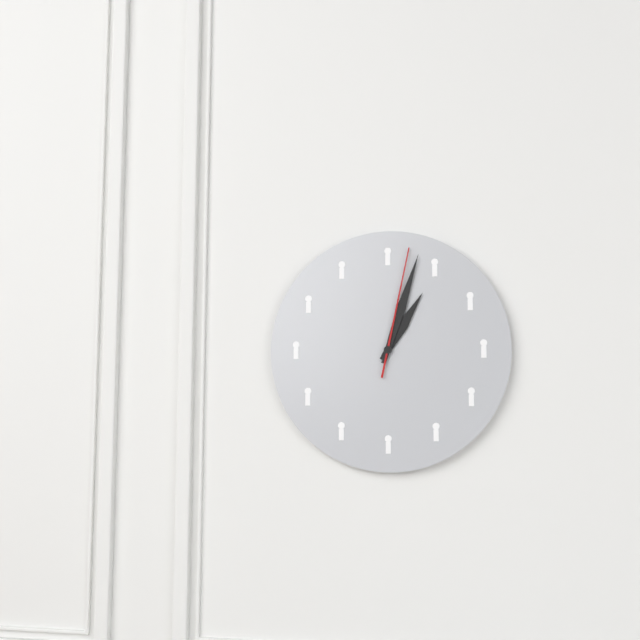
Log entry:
1h03m02s
